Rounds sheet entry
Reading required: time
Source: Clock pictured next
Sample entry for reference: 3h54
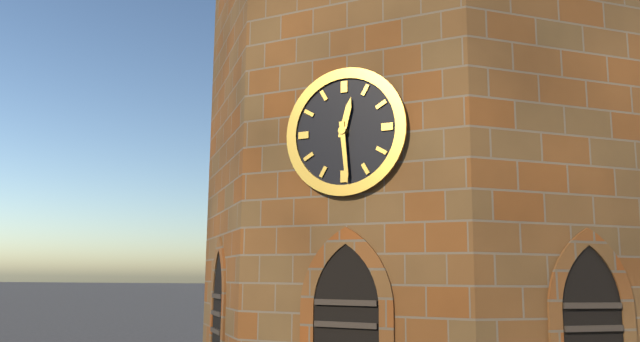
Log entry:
12h29
